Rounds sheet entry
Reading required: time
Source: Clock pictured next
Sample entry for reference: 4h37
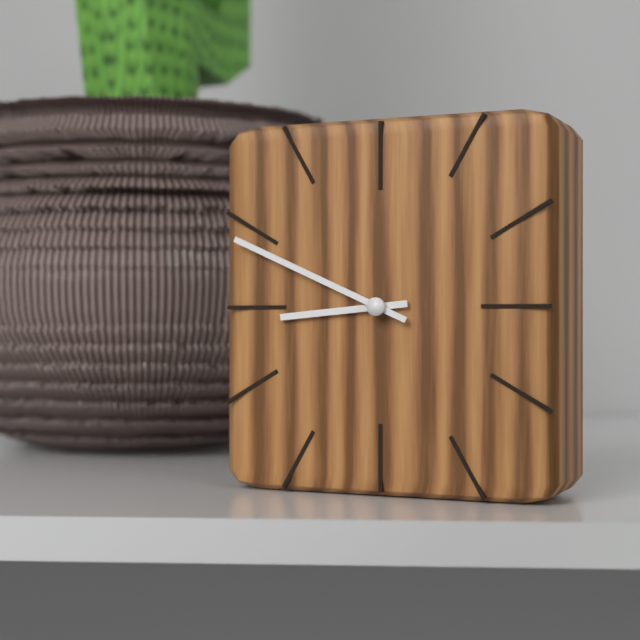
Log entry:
8h49
